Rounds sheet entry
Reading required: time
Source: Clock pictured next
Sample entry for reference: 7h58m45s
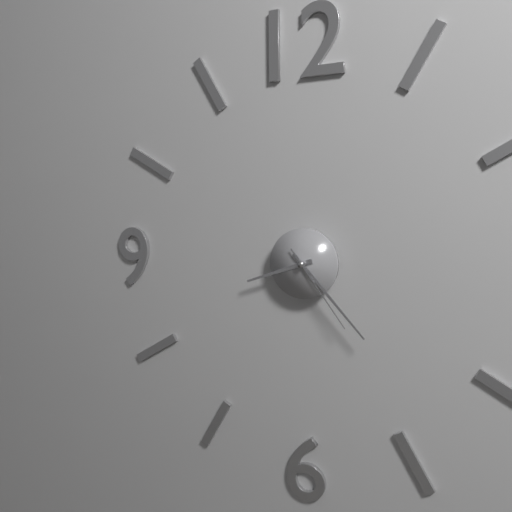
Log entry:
8h23m24s
